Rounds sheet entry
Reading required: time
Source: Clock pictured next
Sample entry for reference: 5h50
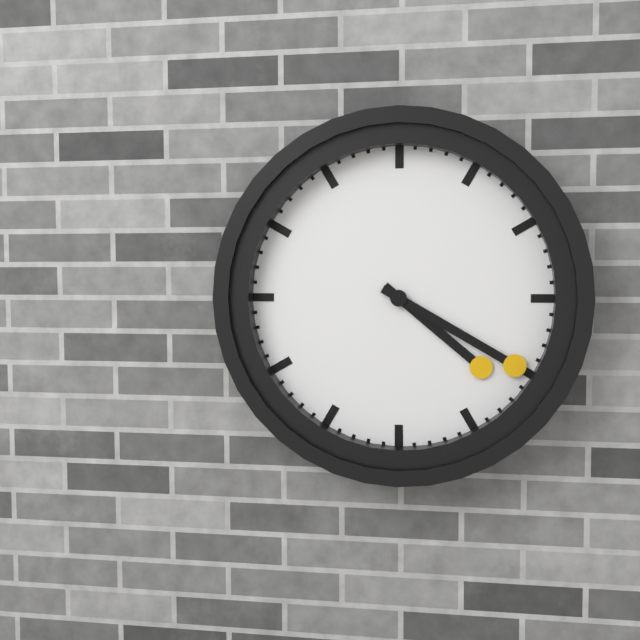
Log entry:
4h20
